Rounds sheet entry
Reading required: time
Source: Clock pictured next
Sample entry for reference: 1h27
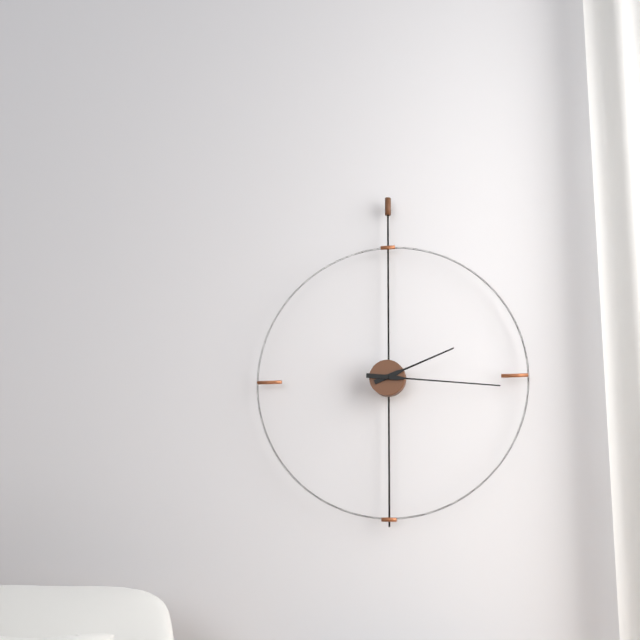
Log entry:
2h16
